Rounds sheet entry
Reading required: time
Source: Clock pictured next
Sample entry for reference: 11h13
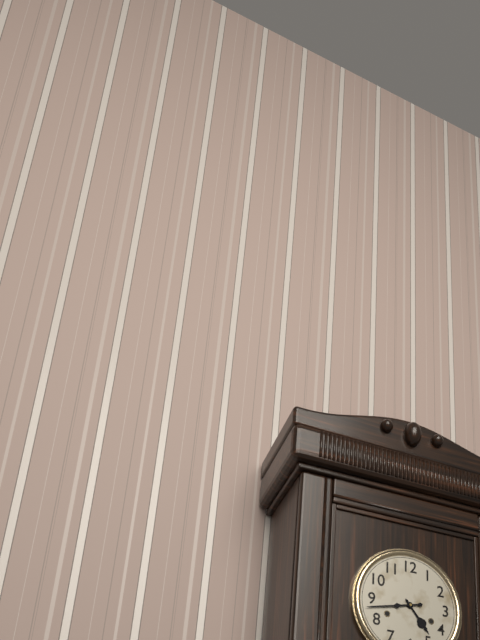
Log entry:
4h43
